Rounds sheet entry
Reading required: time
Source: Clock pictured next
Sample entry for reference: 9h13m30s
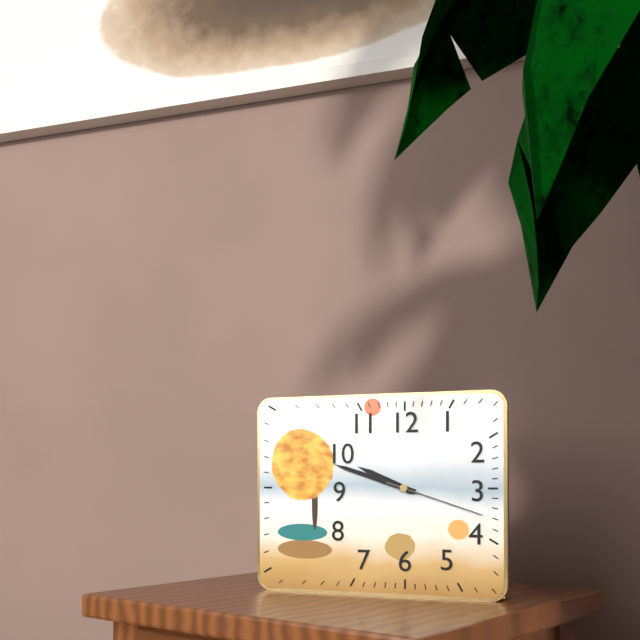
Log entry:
9h48m18s
